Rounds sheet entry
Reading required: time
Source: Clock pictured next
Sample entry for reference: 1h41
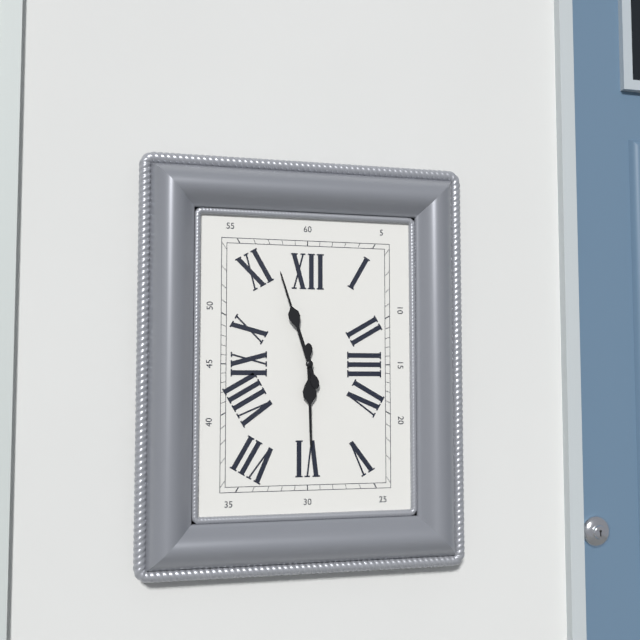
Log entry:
5h57
